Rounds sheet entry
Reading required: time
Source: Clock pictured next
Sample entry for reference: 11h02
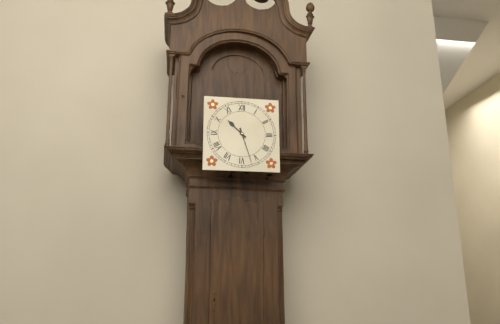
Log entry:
10h27
